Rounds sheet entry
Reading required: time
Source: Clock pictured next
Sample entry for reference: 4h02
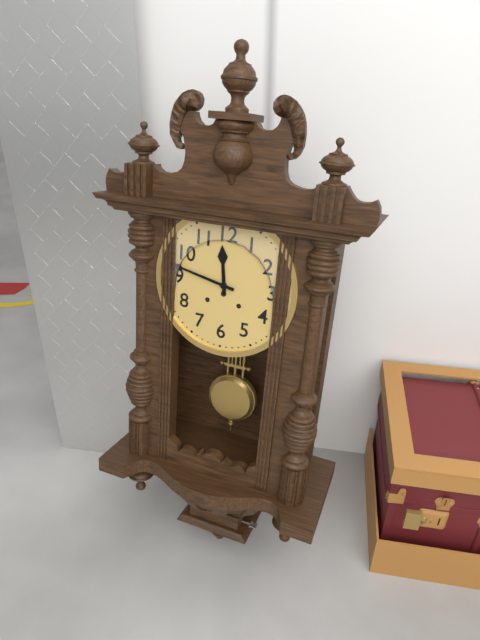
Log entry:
11h47
